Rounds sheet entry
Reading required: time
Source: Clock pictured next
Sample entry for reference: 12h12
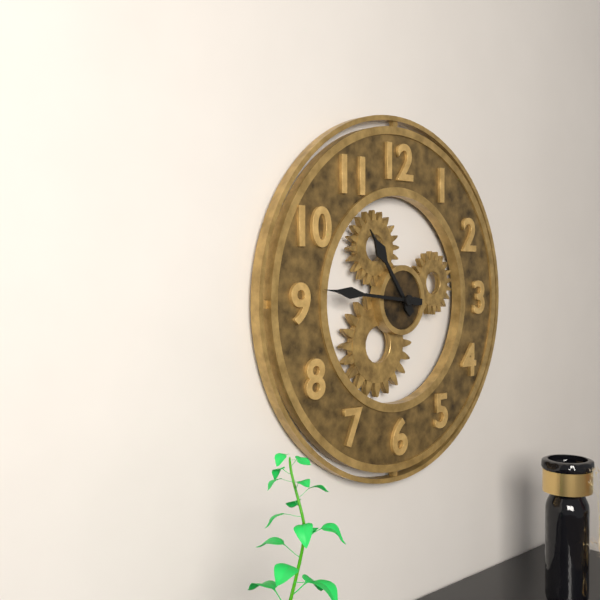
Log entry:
10h46
